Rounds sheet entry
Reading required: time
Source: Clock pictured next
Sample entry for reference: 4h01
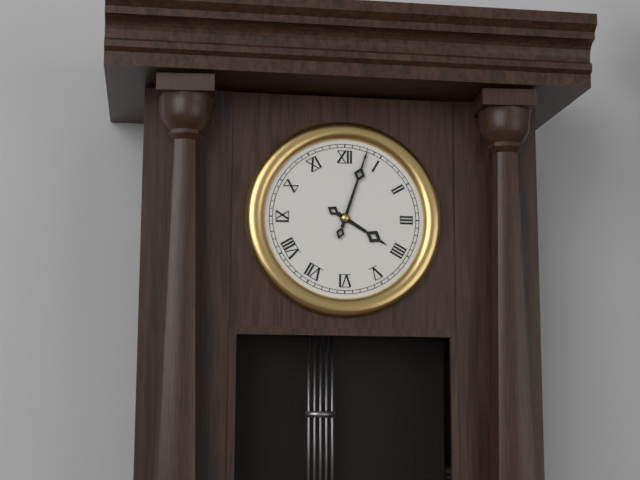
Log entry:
4h03
